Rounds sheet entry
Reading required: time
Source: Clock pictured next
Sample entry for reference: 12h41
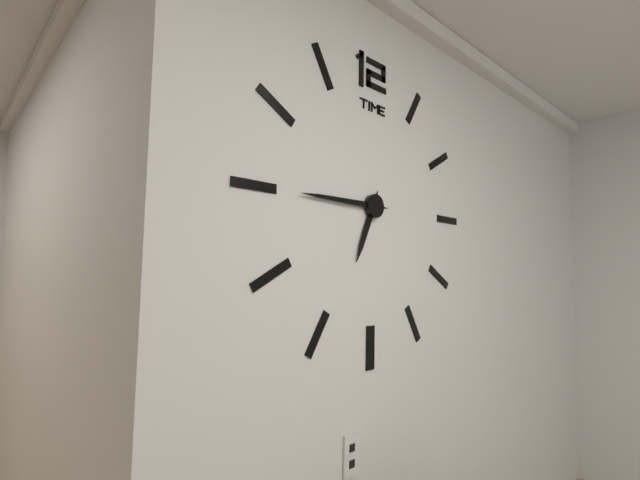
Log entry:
6h45
